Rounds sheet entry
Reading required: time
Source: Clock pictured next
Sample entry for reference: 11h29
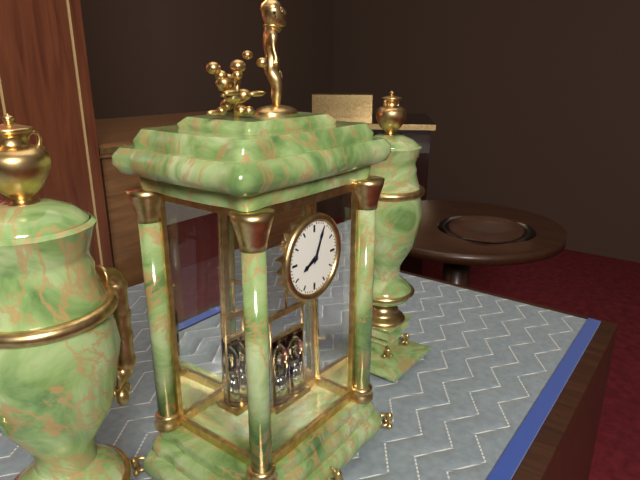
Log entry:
8h04
